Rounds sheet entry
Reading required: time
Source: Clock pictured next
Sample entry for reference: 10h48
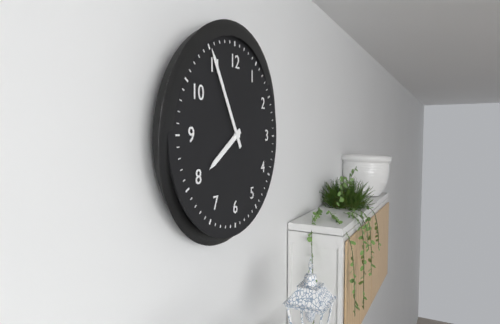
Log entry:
7h55
